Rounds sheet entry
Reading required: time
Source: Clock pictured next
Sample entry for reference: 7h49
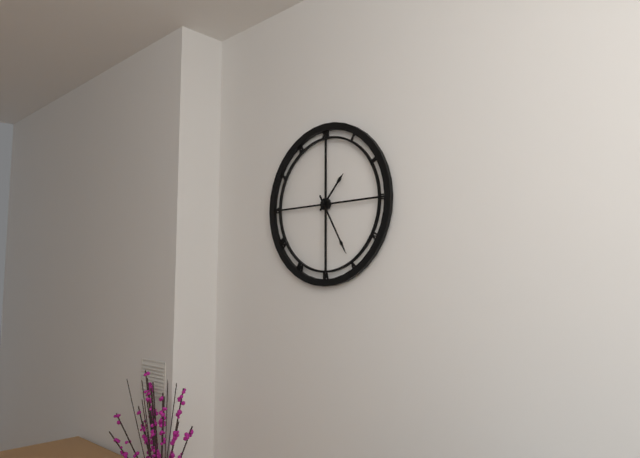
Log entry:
1h25
